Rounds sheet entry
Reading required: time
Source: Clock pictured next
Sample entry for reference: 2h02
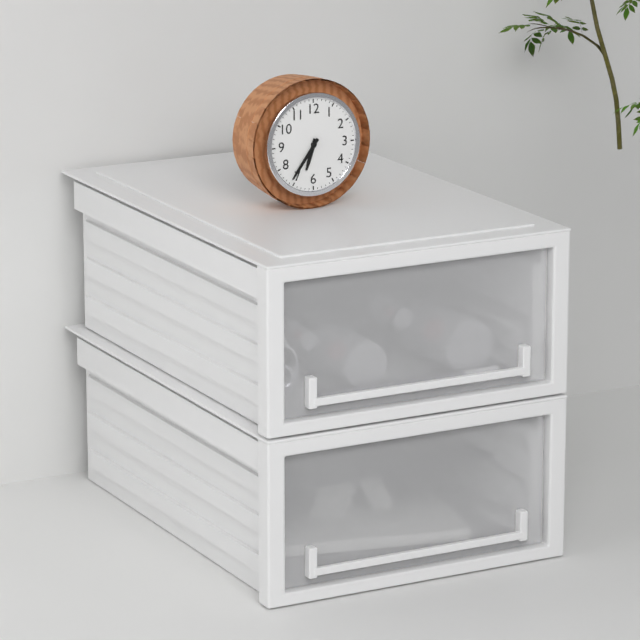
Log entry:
6h36
